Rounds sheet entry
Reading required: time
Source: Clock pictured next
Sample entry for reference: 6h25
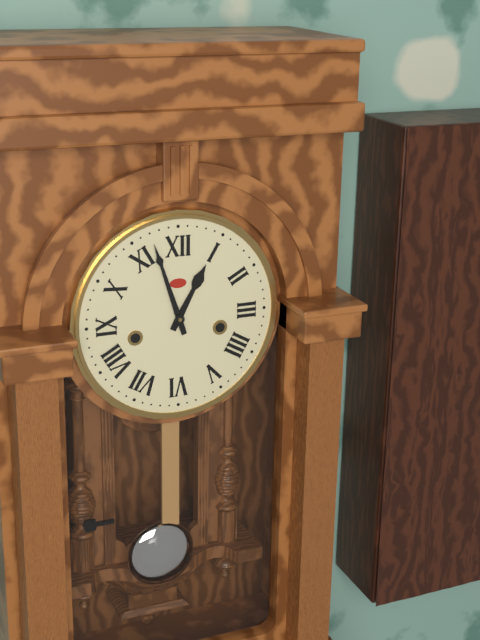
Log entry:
12h57
